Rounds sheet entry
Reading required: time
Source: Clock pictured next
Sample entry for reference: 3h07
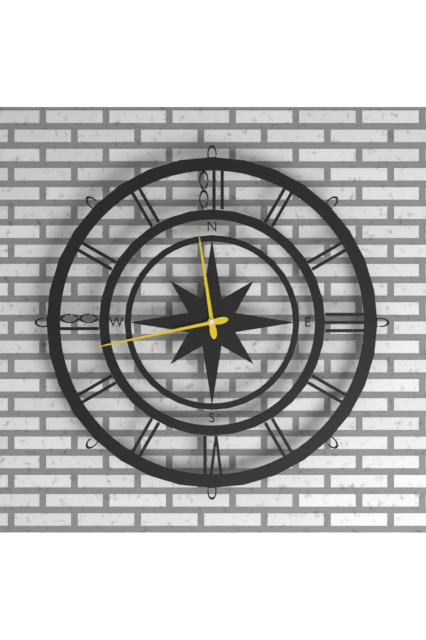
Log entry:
11h43
